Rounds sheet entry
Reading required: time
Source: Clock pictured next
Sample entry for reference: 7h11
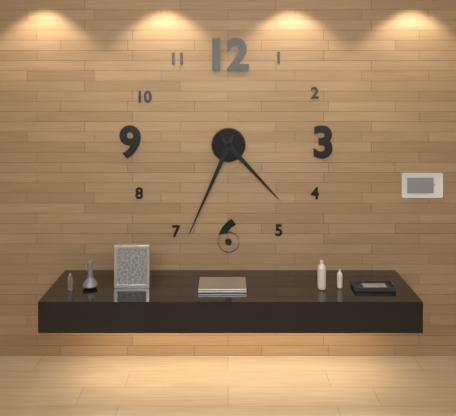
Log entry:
4h34
